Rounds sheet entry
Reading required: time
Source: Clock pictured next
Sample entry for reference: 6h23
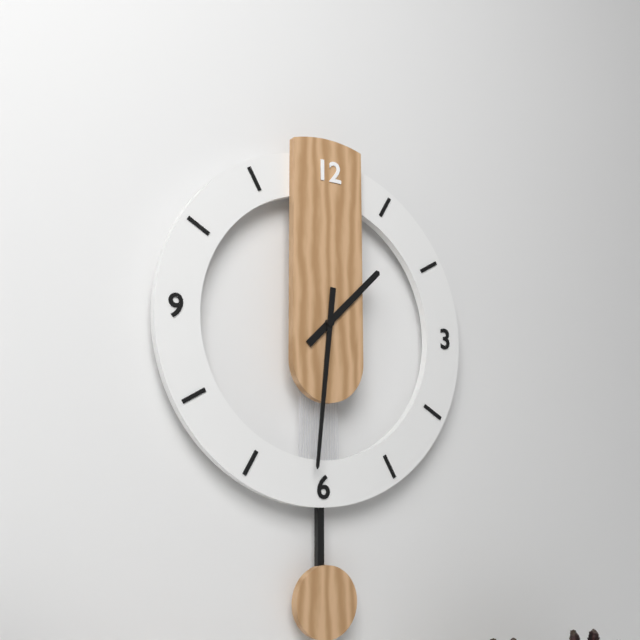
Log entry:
1h31
